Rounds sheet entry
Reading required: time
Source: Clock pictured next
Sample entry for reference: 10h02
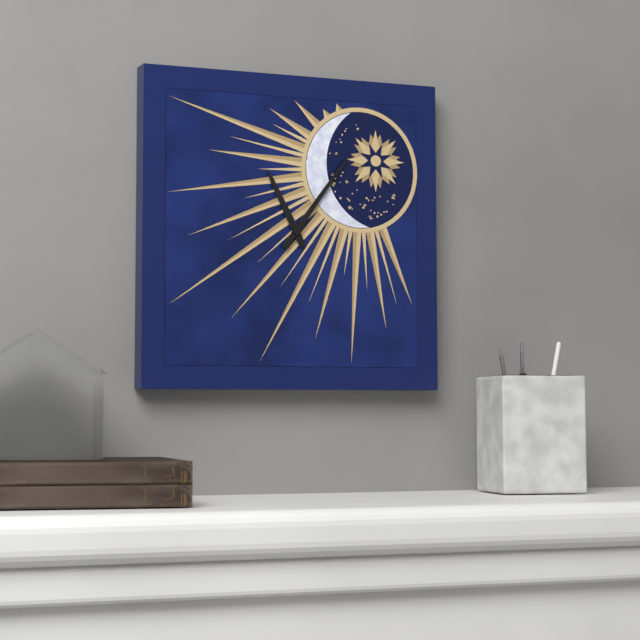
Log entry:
11h06
